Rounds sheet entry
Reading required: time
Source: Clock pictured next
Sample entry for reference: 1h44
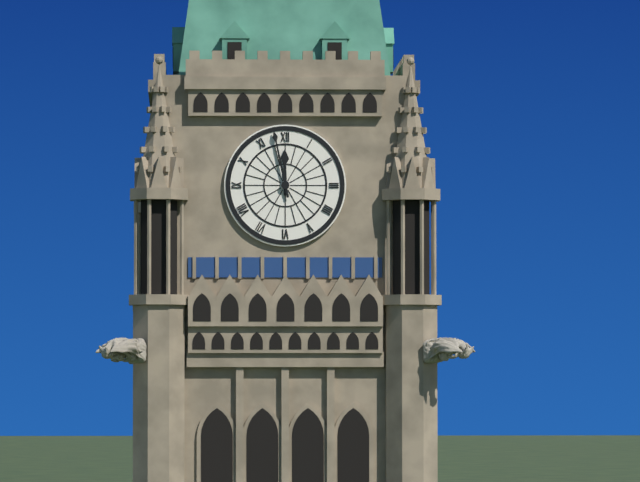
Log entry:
11h58
